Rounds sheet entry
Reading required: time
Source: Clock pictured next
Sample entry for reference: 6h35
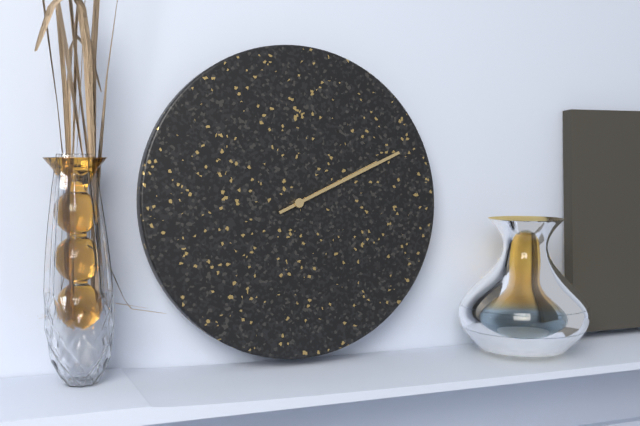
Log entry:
2h11
